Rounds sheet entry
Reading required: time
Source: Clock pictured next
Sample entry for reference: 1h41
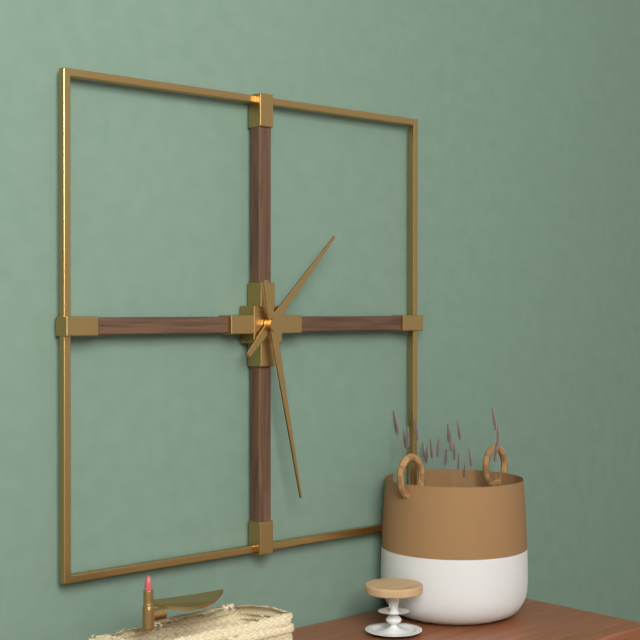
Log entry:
1h28
